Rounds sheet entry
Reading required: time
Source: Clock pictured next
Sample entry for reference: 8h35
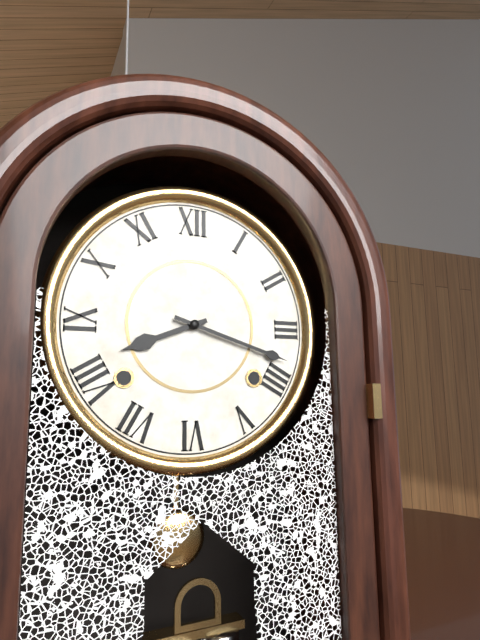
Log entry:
8h18
